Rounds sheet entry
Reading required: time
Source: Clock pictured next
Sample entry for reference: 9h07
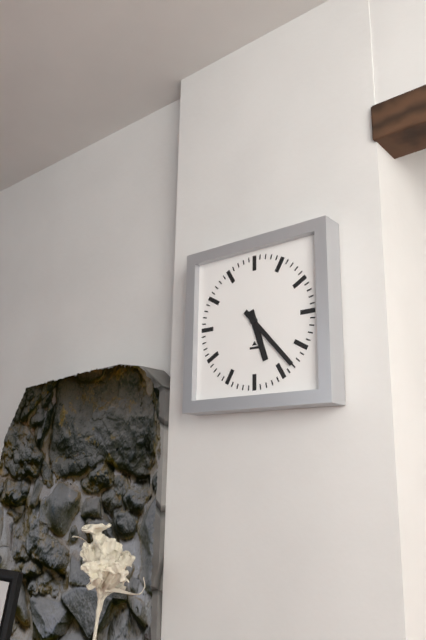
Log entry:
5h23
